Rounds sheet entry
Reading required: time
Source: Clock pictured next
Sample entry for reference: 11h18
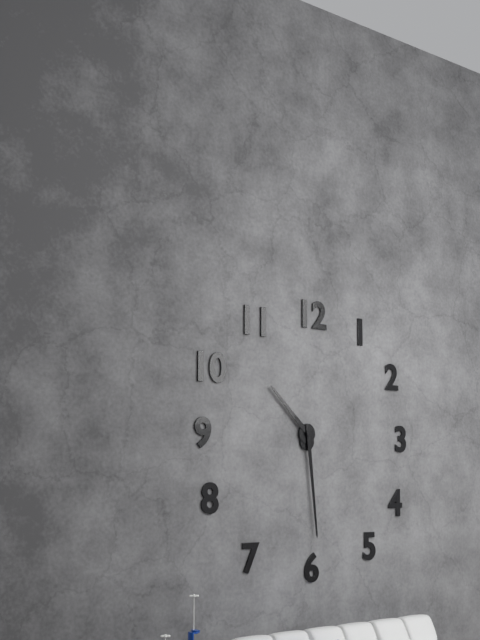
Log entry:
10h29
